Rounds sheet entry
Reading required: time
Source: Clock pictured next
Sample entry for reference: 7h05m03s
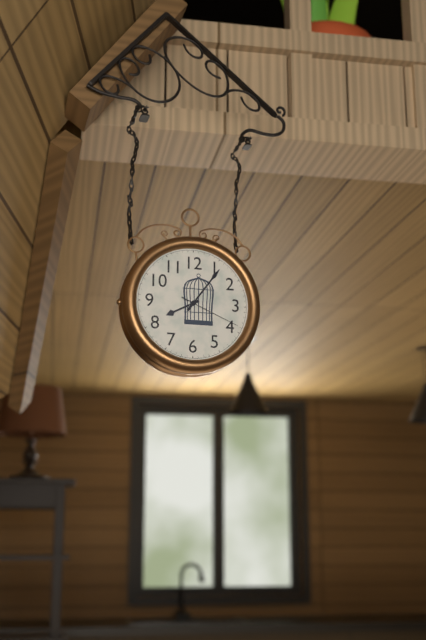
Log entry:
8h06m19s
